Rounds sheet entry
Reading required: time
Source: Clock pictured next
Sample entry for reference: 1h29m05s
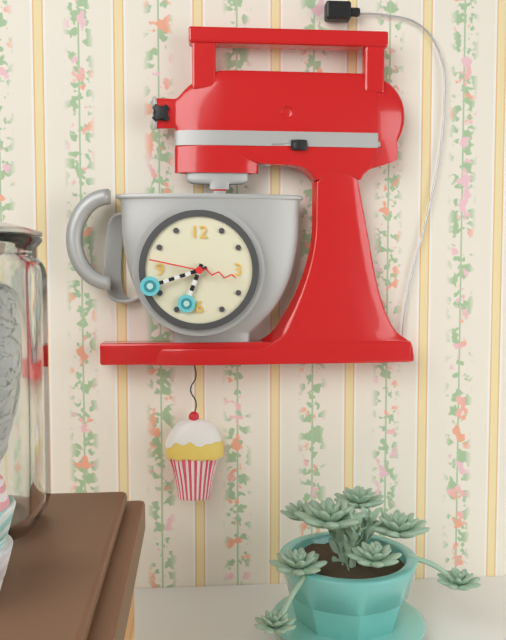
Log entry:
6h42m47s
